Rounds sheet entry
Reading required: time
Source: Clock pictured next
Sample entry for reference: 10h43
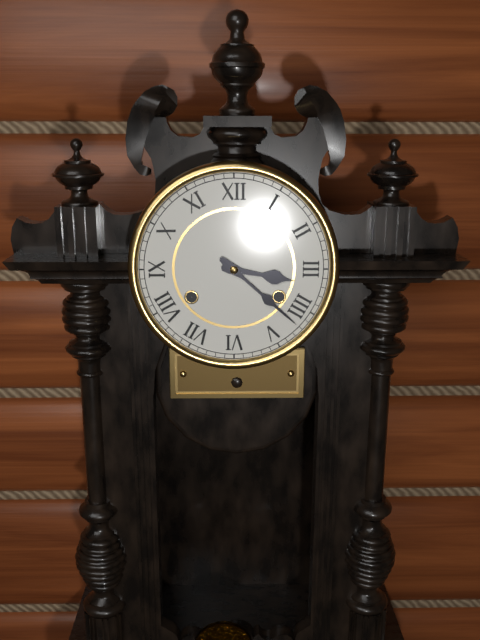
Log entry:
3h22
